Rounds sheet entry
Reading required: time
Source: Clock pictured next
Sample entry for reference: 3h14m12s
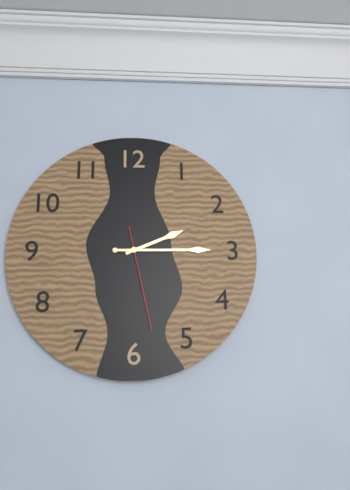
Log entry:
2h15m28s
